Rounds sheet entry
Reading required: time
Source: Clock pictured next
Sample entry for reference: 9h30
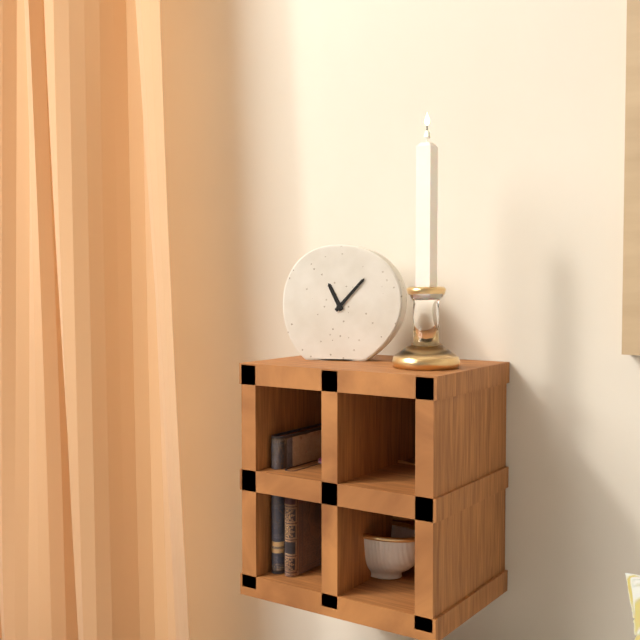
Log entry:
11h07
